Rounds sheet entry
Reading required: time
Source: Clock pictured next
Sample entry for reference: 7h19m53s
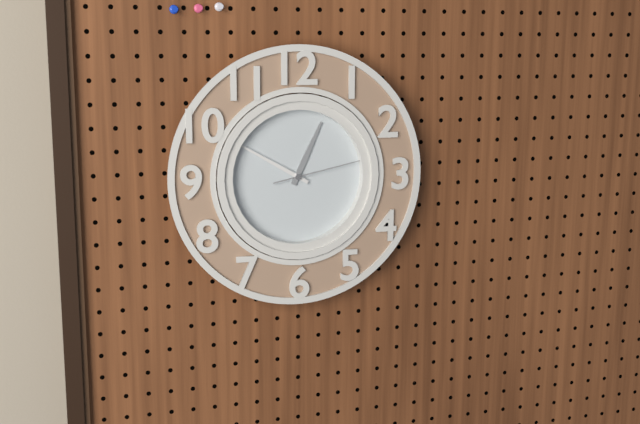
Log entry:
12h50m13s
